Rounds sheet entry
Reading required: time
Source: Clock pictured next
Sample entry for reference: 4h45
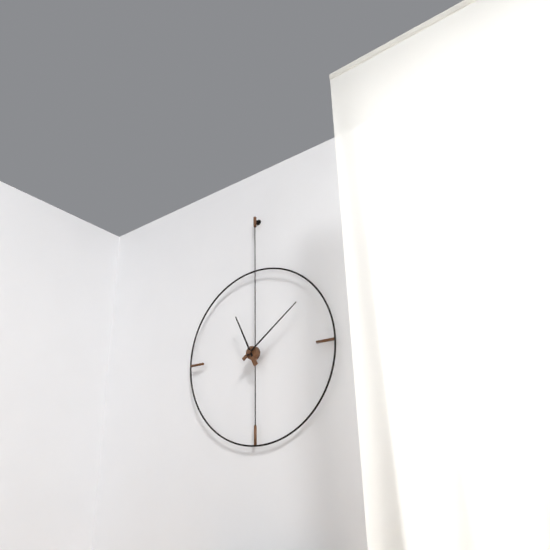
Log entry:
11h09
